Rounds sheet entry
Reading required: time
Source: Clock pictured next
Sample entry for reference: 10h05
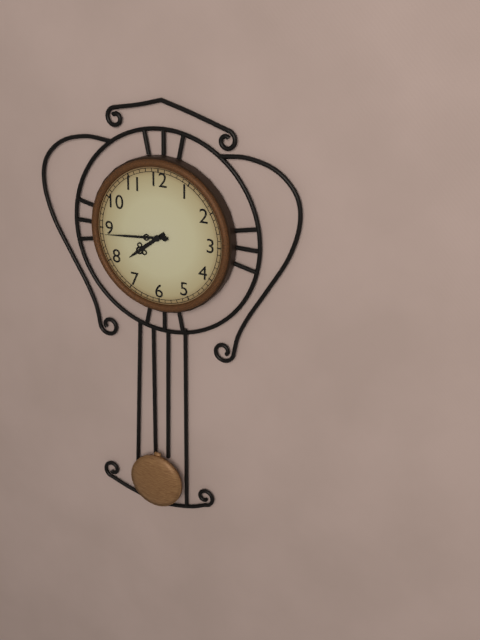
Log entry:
7h44
